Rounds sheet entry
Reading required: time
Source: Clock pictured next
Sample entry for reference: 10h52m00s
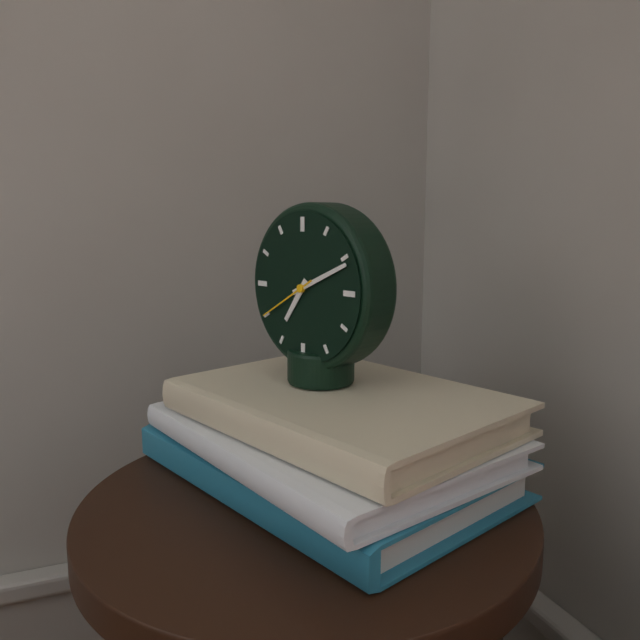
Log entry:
7h11m40s
